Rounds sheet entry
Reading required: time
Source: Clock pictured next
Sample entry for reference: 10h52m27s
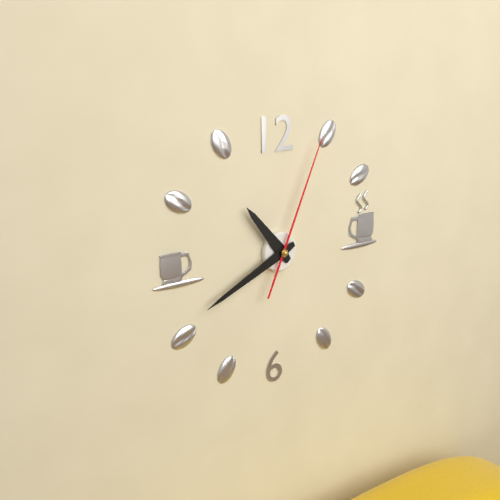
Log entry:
10h41m04s
